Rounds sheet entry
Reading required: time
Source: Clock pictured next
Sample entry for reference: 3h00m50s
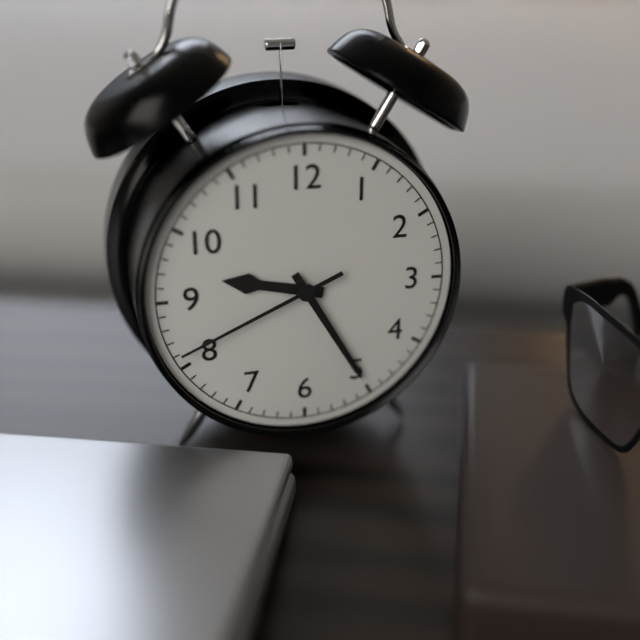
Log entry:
9h25m41s
